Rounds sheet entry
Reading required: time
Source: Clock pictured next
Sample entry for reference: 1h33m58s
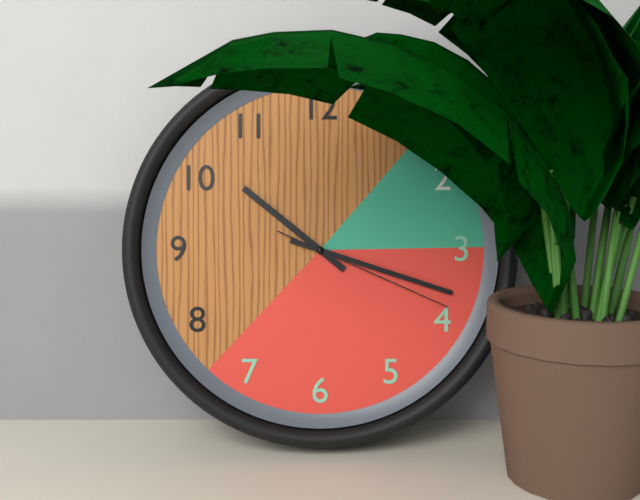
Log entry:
10h18m19s
